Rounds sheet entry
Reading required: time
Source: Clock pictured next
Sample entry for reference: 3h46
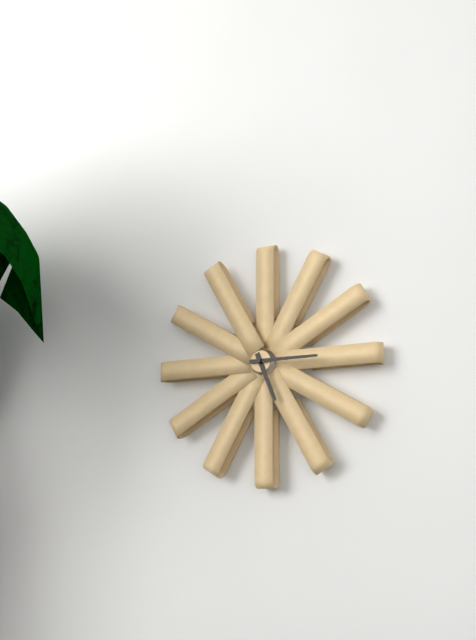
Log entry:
5h15
